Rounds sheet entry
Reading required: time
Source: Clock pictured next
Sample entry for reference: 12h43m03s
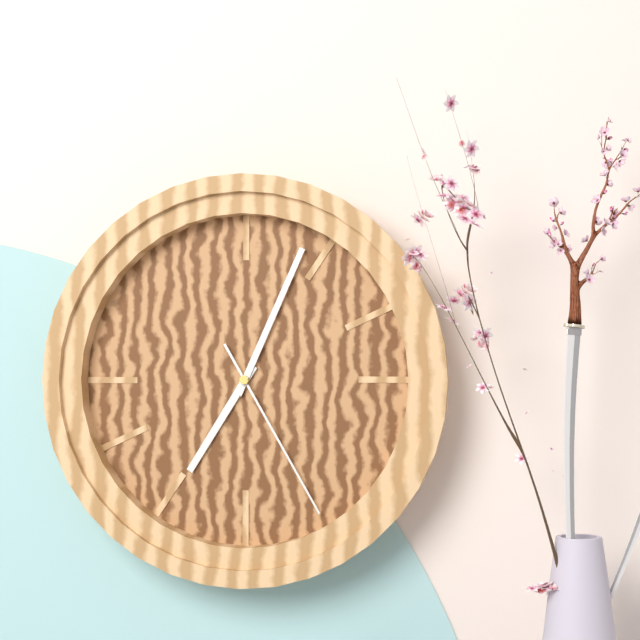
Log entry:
7h04m25s
